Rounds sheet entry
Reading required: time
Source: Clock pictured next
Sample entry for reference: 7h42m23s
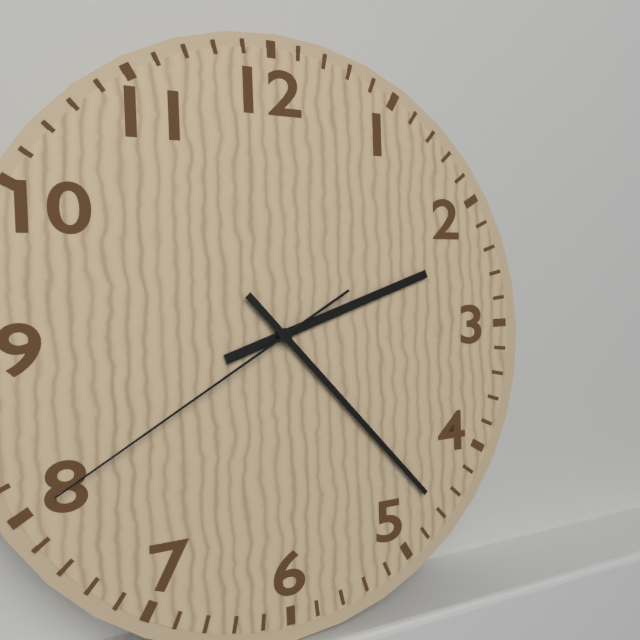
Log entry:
2h23m40s
